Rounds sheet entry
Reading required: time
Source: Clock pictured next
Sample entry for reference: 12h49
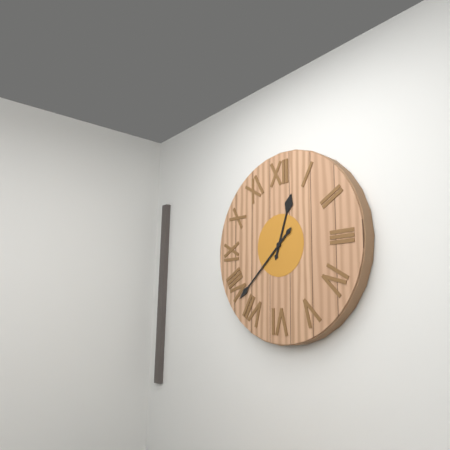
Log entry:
12h38
